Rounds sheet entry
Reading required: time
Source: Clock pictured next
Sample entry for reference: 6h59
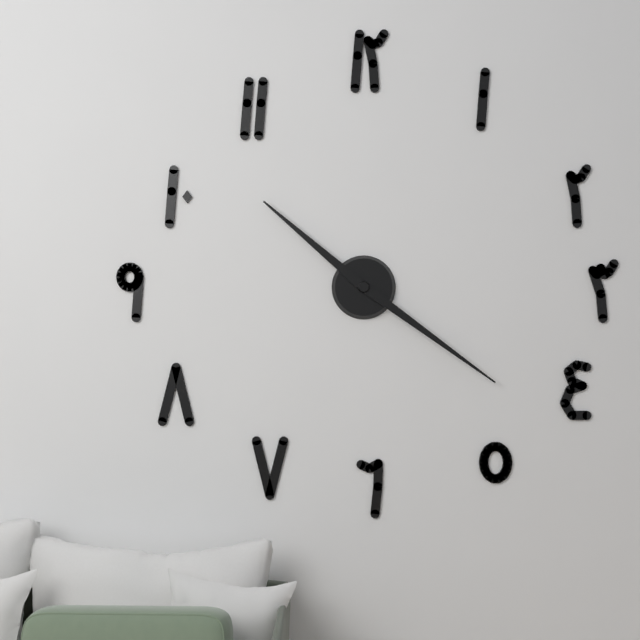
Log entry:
10h21
